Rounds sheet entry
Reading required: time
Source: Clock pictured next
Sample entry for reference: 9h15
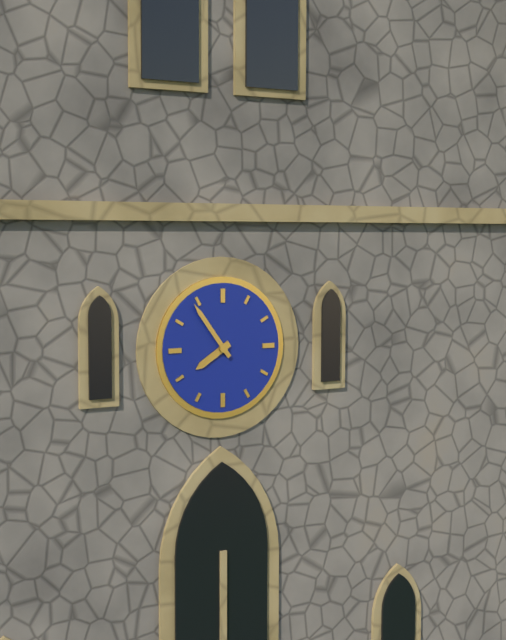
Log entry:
7h54
